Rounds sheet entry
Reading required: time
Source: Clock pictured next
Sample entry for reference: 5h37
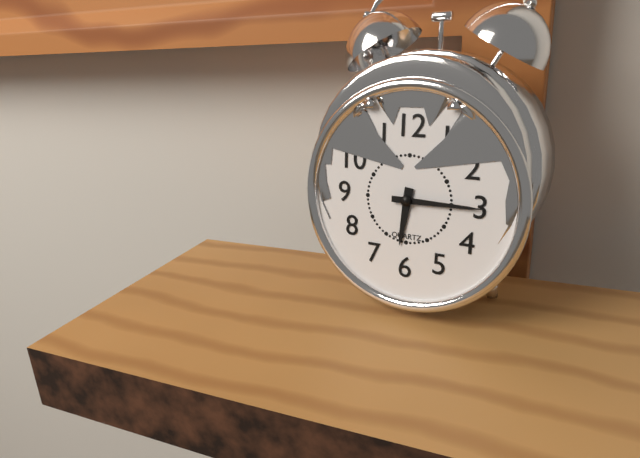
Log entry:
6h15
